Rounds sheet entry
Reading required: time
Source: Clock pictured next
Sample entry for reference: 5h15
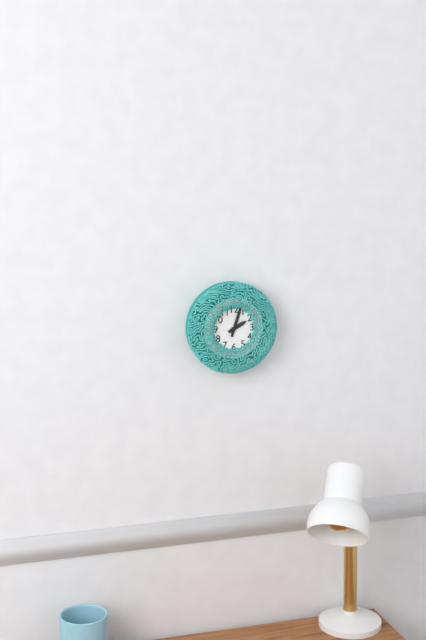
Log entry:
2h03
